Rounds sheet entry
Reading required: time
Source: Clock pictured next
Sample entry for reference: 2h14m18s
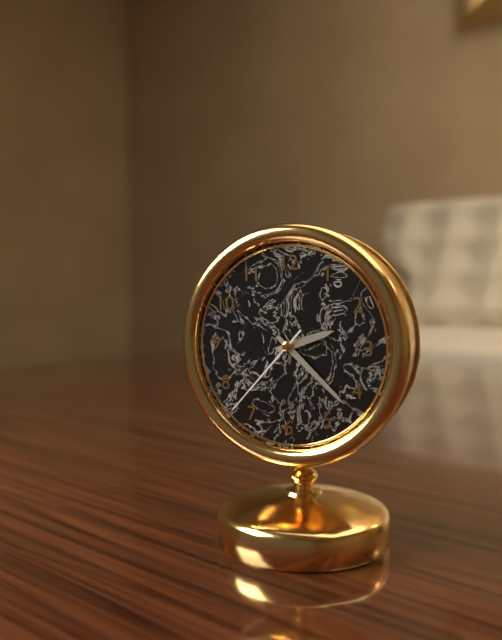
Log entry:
2h22m37s
